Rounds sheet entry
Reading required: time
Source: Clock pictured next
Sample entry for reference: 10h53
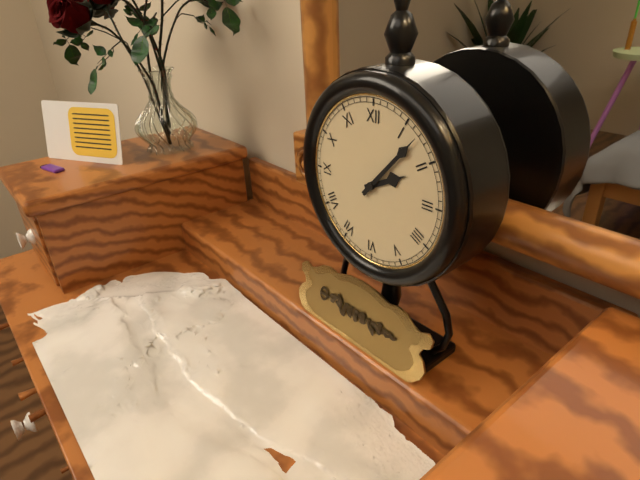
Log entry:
2h07
